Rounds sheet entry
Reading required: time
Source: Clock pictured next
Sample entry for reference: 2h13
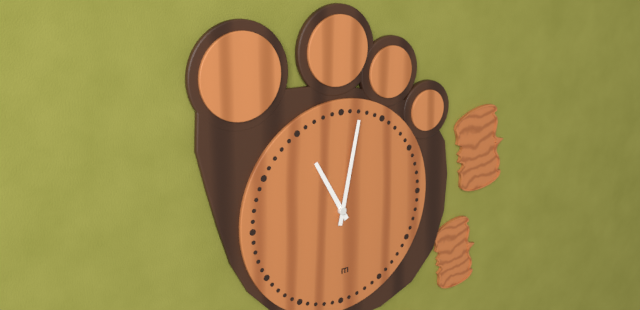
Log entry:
11h02
